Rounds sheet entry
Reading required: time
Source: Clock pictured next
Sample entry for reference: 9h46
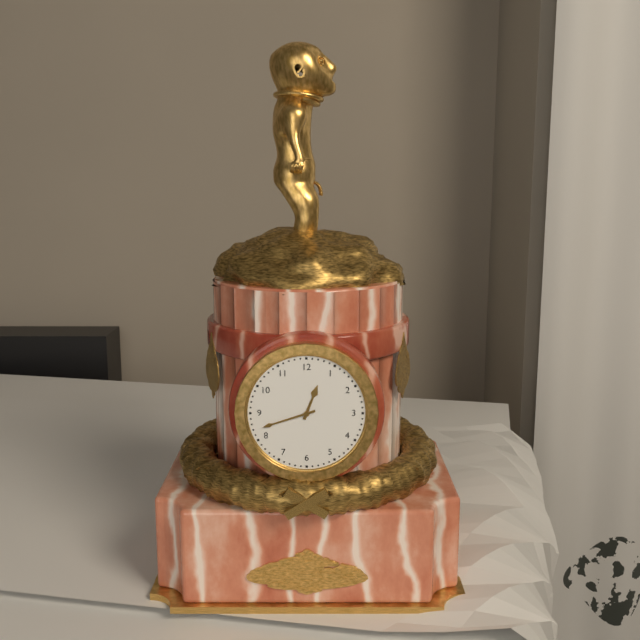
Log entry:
12h42
